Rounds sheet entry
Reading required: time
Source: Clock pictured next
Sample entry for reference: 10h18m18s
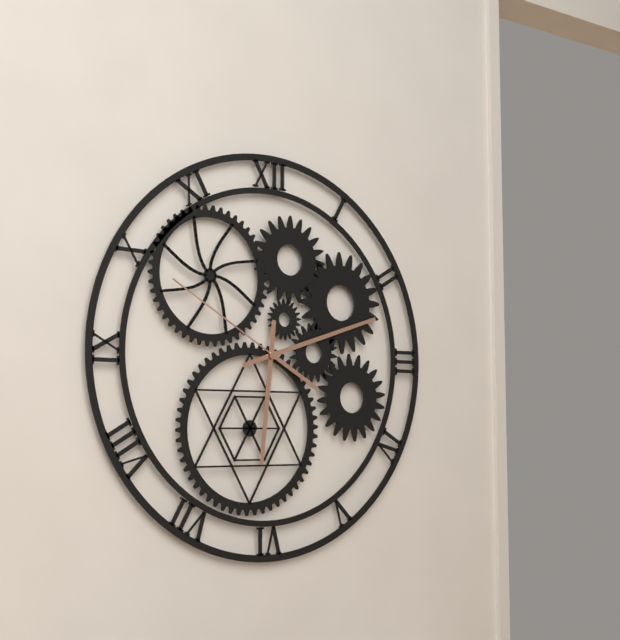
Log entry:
6h12m50s
